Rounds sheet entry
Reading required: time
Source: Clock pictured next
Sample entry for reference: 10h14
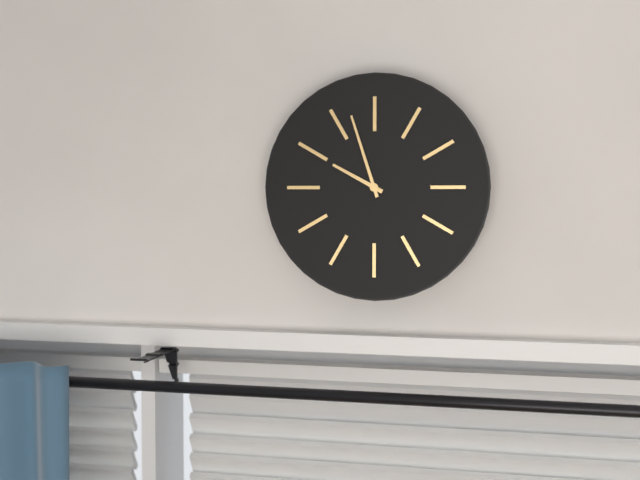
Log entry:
9h57
